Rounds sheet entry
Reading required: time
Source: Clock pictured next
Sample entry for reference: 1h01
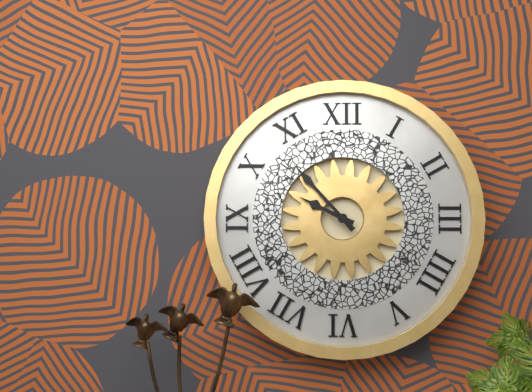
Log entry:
9h53
